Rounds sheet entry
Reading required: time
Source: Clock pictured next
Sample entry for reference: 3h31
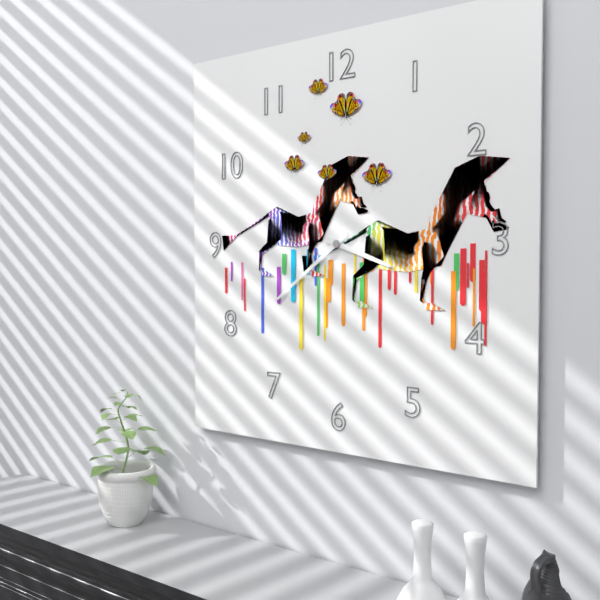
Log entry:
3h39
